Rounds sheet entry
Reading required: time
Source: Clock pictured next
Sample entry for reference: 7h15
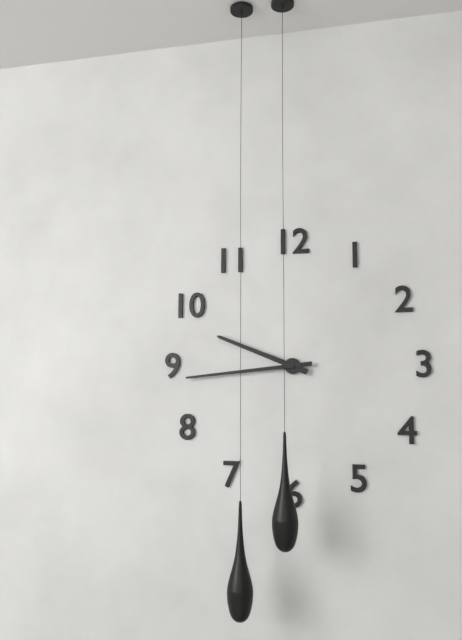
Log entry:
9h44
